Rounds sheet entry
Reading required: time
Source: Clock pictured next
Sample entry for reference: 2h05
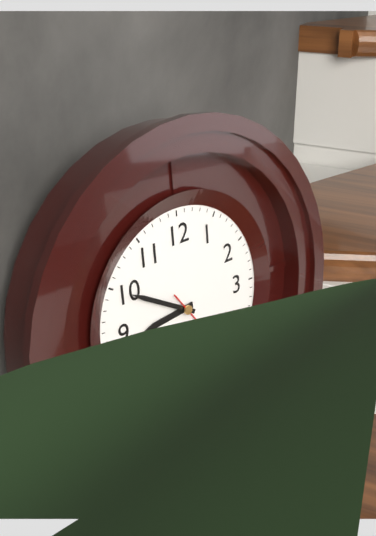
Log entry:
8h50
